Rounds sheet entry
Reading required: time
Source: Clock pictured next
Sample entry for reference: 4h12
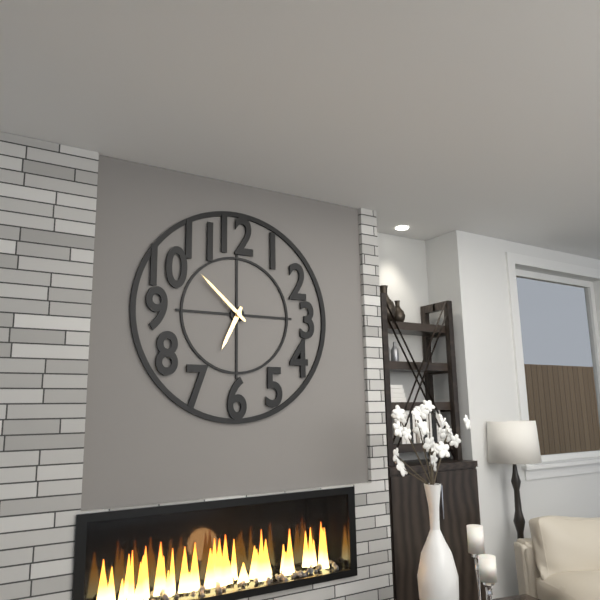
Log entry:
6h52
